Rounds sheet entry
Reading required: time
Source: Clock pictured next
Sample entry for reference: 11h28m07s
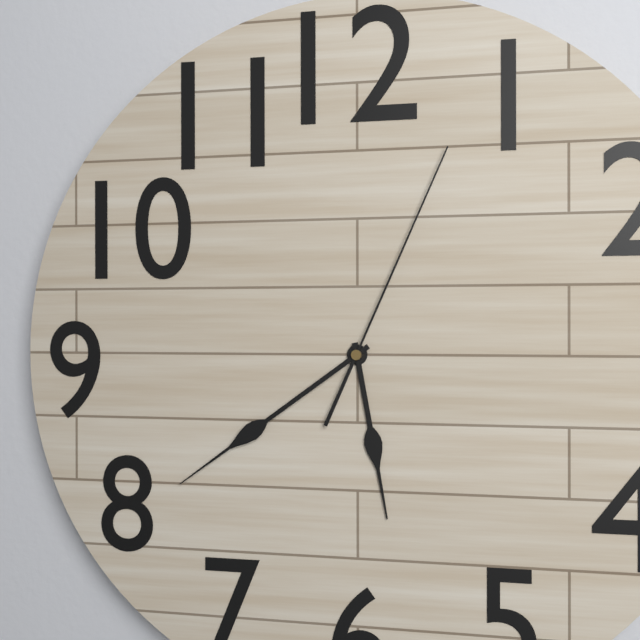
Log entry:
5h39m04s
